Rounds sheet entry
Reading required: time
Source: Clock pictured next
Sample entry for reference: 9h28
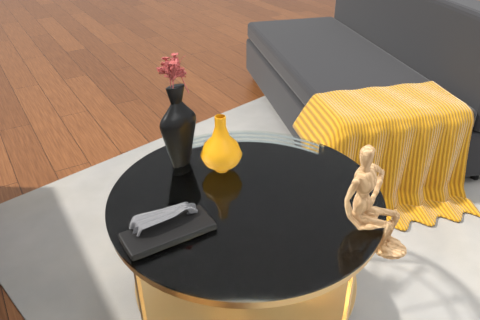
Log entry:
11h09
